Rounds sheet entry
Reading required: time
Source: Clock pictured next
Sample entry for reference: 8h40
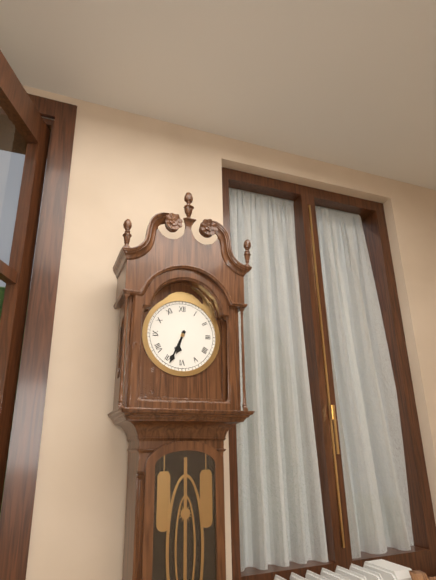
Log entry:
6h34
